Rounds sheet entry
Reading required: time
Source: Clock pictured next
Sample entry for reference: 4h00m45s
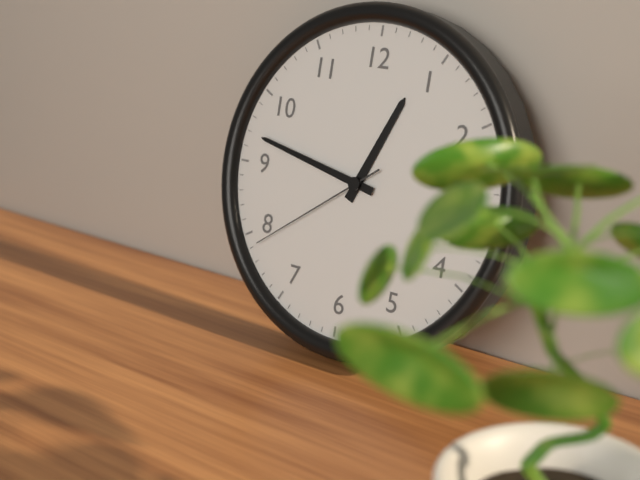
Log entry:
12h47m39s
